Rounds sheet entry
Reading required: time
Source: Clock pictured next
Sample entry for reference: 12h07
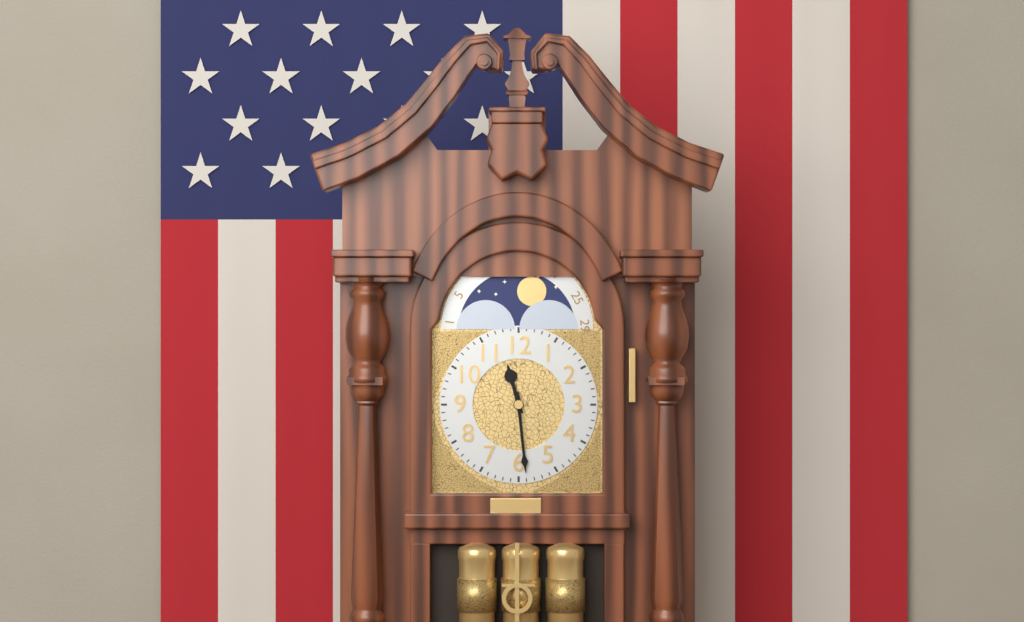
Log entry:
11h29
